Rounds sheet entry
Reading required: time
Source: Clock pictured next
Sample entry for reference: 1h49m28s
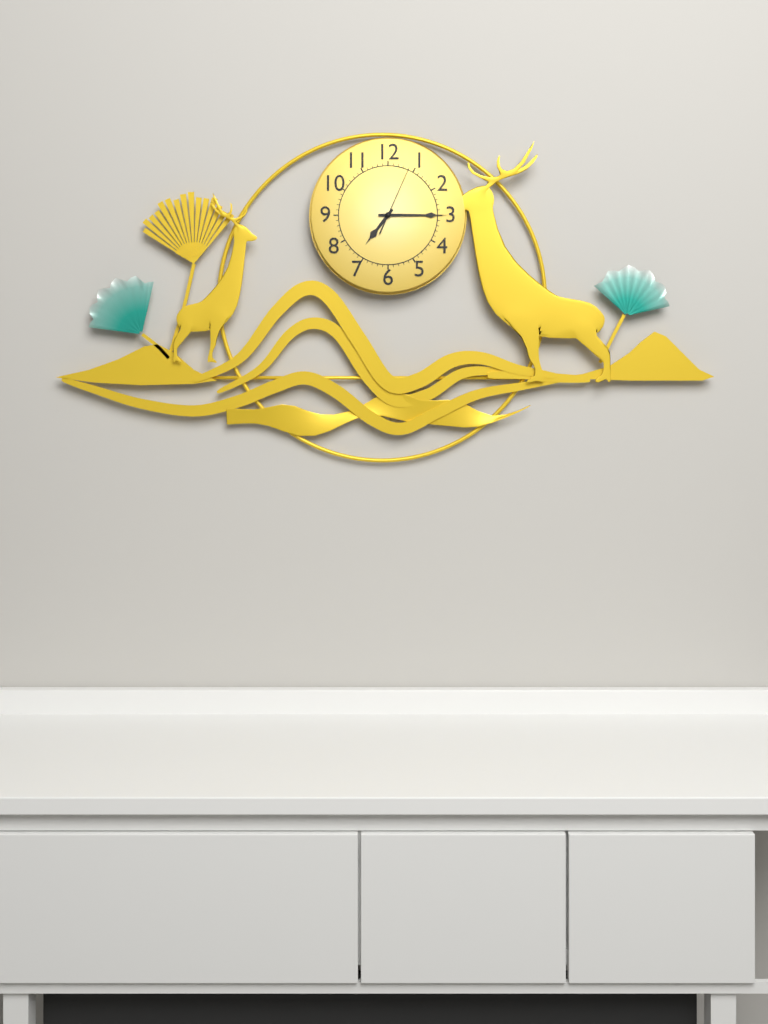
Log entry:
7h15m04s
